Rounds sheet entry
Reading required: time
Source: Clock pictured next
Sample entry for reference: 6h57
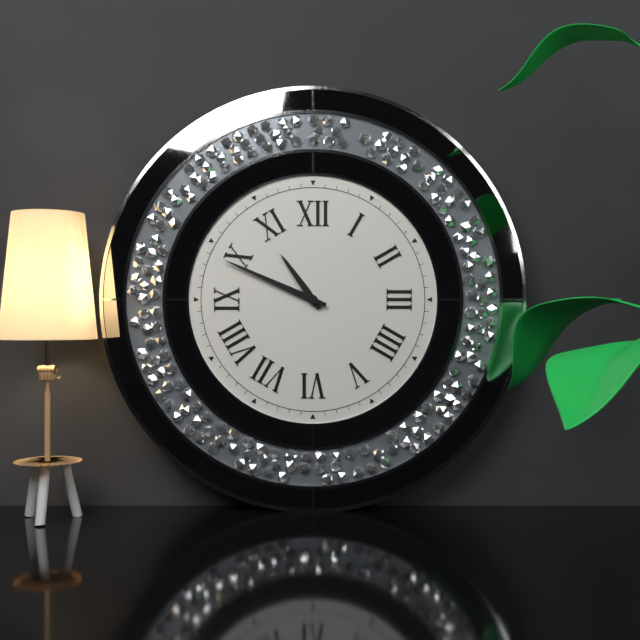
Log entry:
10h49
